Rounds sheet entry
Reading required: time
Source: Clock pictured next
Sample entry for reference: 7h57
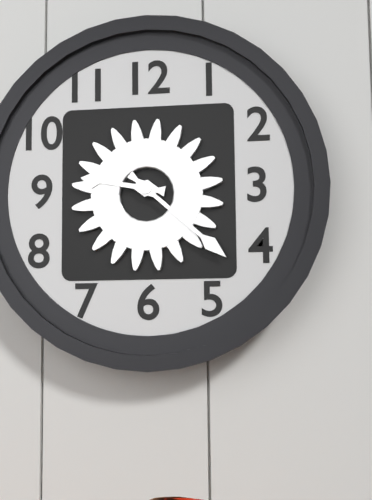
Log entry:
9h22
